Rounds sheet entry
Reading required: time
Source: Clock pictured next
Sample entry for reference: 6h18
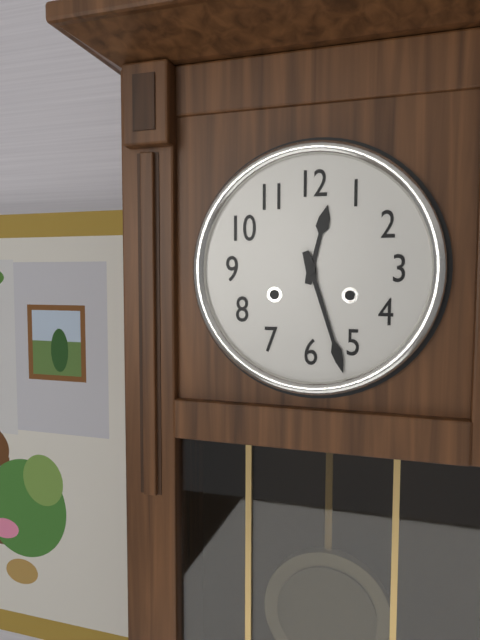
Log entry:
12h27
